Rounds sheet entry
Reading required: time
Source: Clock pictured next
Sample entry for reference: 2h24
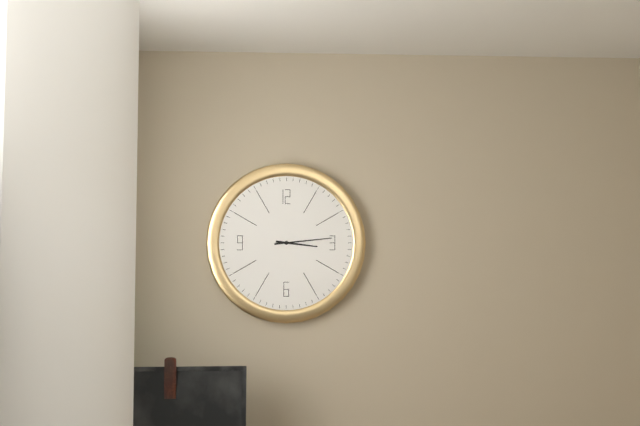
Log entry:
3h14
